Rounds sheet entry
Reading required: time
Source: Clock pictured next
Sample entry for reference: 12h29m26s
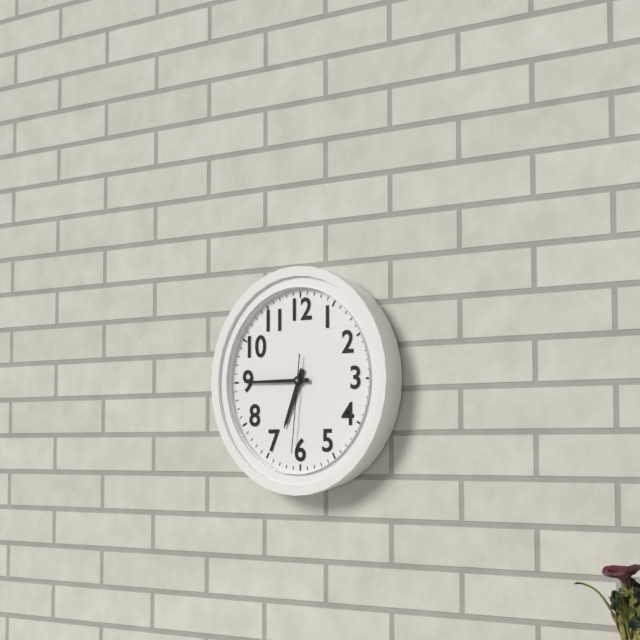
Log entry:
6h45m31s
